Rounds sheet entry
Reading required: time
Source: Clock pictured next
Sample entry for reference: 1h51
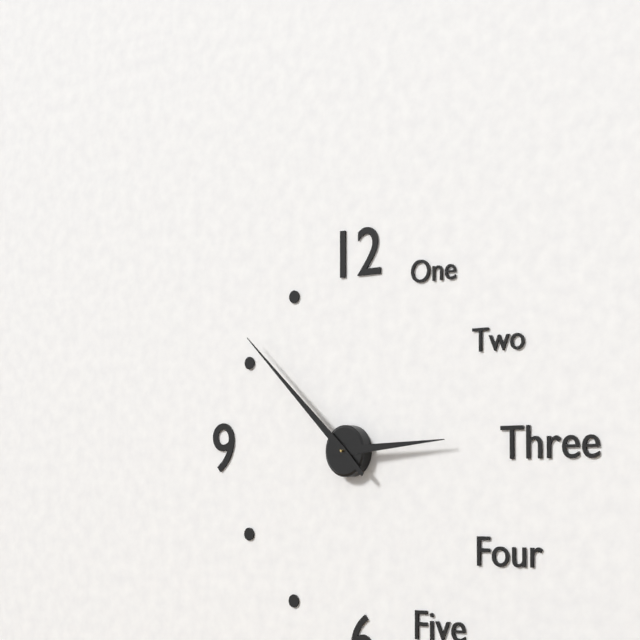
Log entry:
2h52
